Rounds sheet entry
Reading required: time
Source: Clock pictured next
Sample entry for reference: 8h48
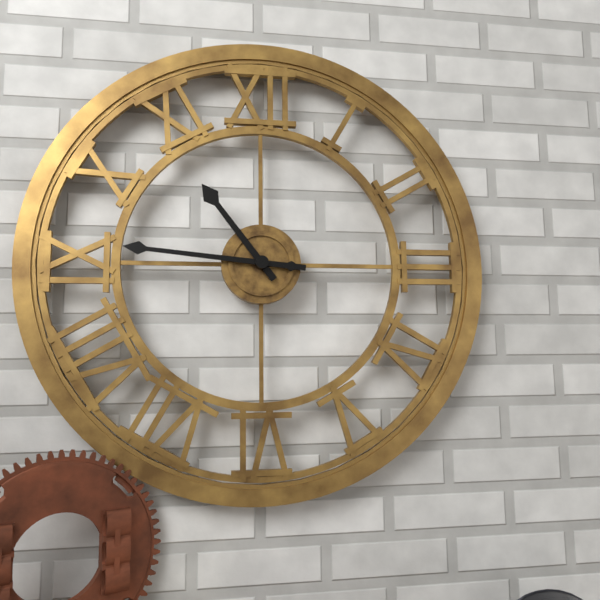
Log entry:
10h46
